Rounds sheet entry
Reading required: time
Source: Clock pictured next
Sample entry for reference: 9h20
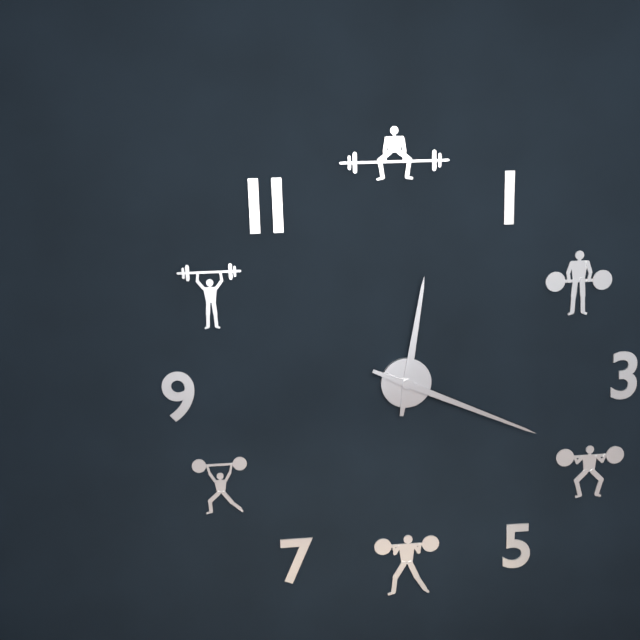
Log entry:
12h19
